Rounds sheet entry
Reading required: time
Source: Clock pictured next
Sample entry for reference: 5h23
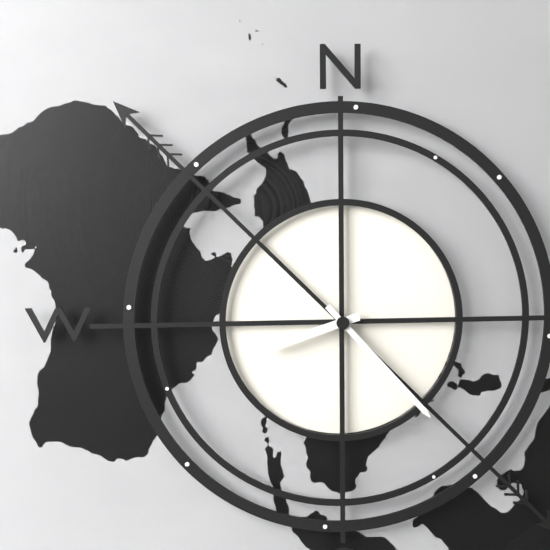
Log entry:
8h23
